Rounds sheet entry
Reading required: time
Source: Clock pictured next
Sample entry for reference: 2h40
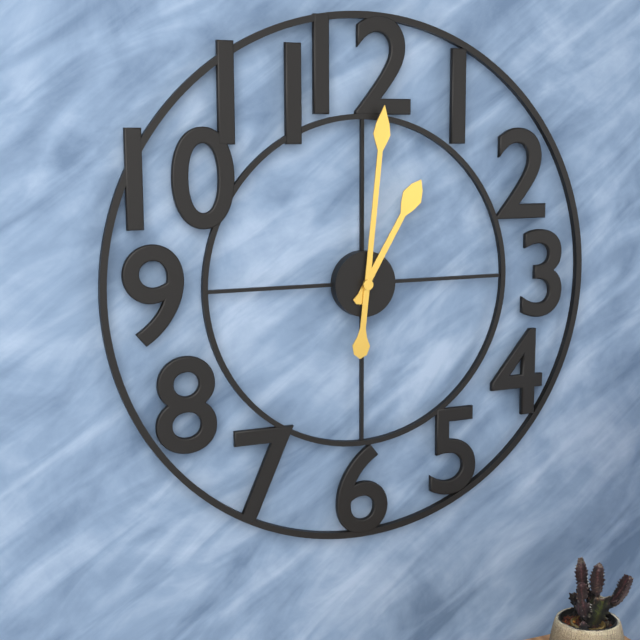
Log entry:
1h01
